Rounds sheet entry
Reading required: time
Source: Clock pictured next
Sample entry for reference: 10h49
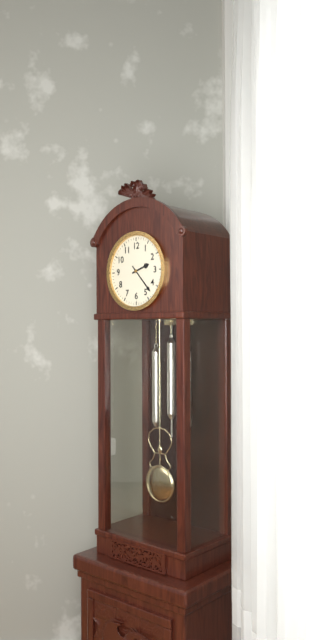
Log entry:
2h23
